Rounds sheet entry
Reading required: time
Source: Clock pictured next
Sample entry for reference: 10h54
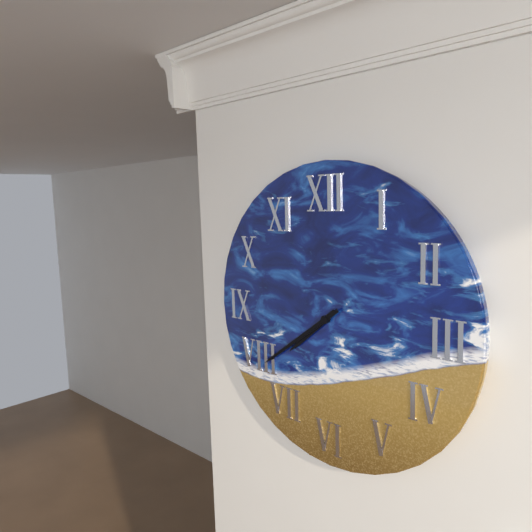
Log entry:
7h39
